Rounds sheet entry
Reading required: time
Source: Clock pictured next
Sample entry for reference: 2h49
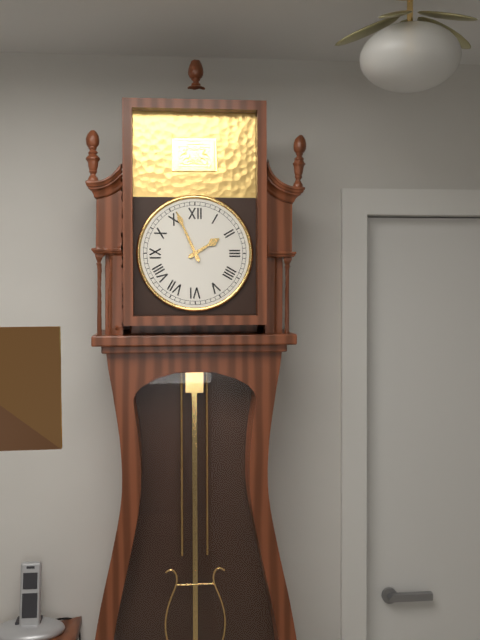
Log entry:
1h56
